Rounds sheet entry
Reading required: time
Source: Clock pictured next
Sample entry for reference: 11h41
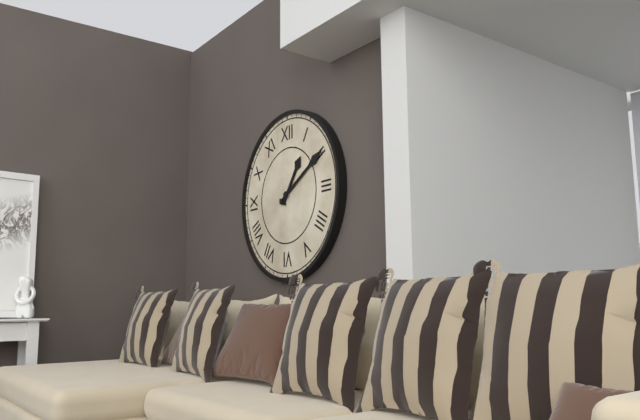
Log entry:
1h10
